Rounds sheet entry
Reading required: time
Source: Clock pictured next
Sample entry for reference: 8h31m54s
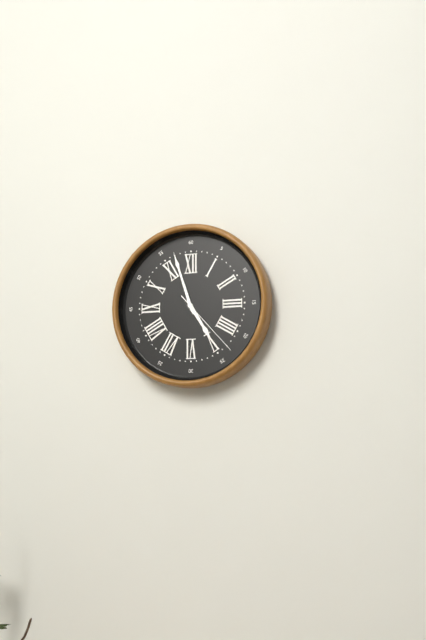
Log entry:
4h57m23s
